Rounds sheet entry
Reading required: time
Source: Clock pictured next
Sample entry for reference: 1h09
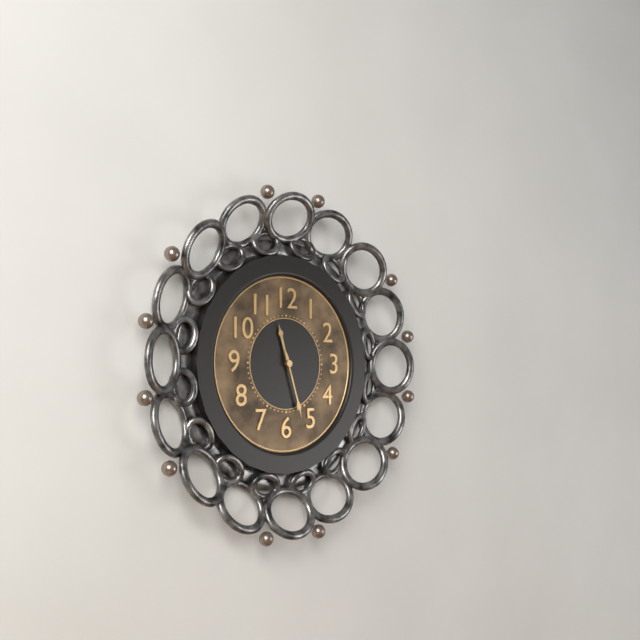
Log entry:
11h27
